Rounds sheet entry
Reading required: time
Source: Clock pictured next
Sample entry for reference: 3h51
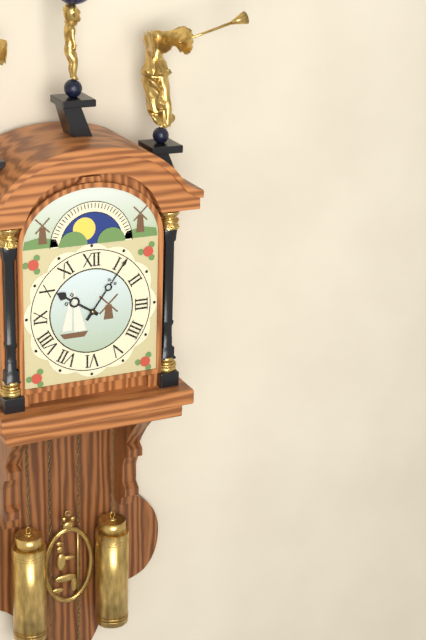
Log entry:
10h06
